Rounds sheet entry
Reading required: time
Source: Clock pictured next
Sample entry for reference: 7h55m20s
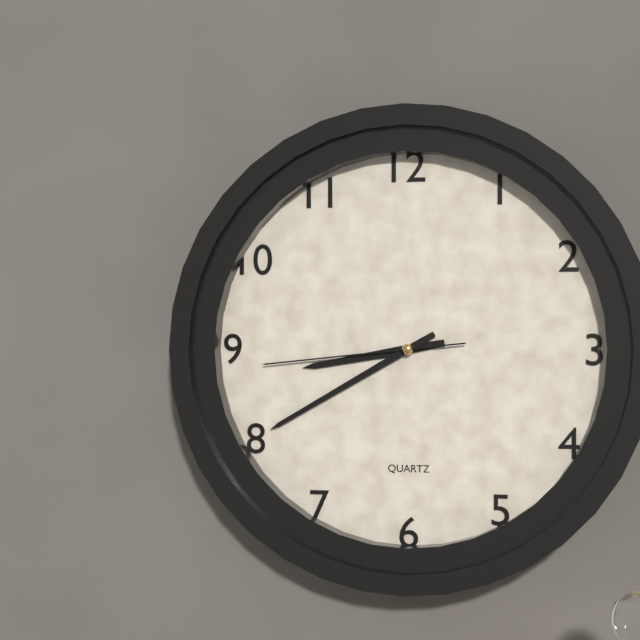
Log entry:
8h40m44s
